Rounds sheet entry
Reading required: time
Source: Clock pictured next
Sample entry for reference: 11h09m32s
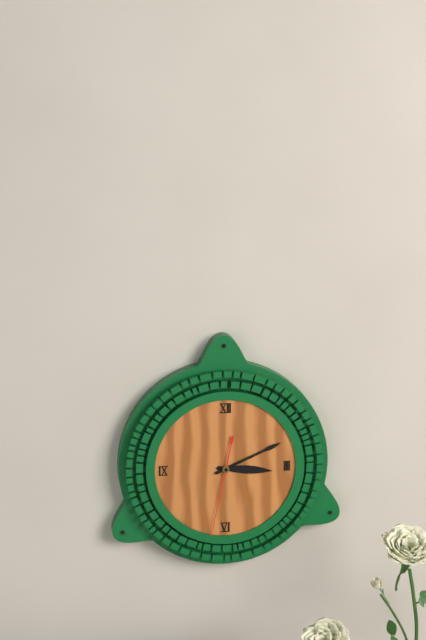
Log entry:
3h11m32s
